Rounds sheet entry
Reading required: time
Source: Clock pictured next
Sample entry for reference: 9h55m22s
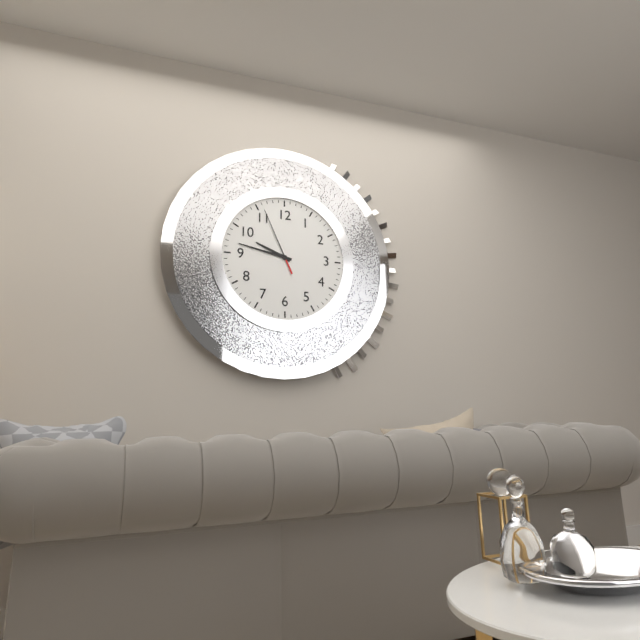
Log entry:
9h47m56s
